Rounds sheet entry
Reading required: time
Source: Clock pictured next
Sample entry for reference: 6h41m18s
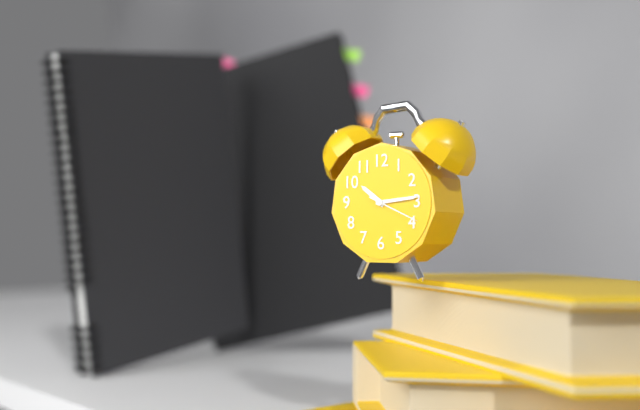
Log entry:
10h14m19s
